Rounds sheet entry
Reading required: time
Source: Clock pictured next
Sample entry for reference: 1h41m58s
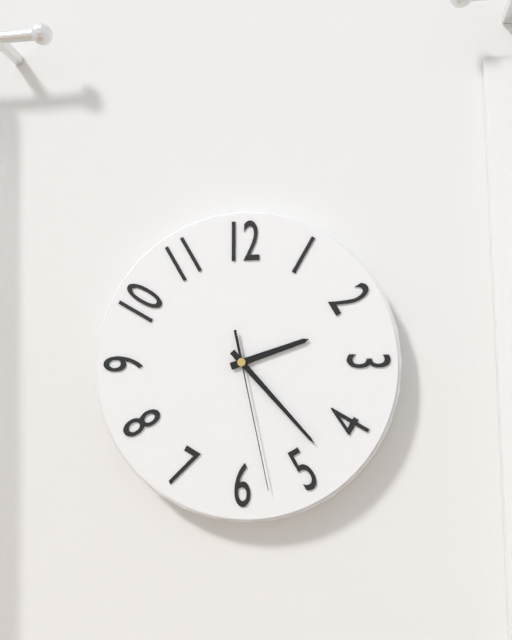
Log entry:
2h23m28s
